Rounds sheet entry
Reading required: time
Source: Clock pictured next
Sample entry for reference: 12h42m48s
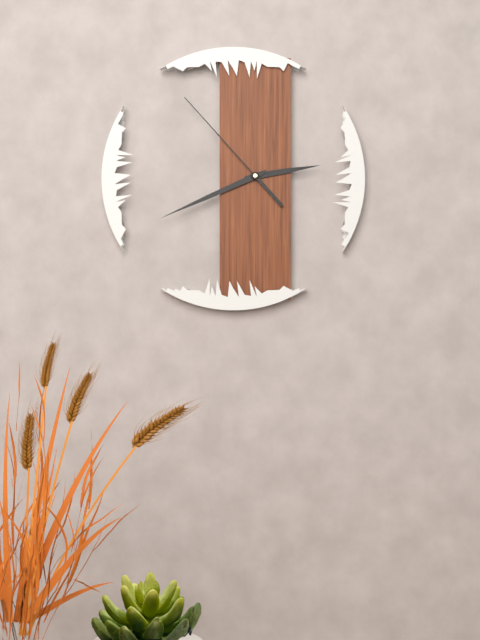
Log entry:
2h41m53s
